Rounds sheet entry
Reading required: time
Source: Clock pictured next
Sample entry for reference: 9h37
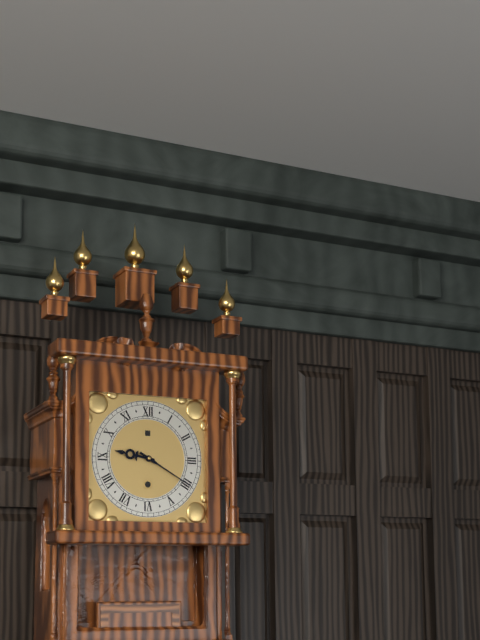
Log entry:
9h20
